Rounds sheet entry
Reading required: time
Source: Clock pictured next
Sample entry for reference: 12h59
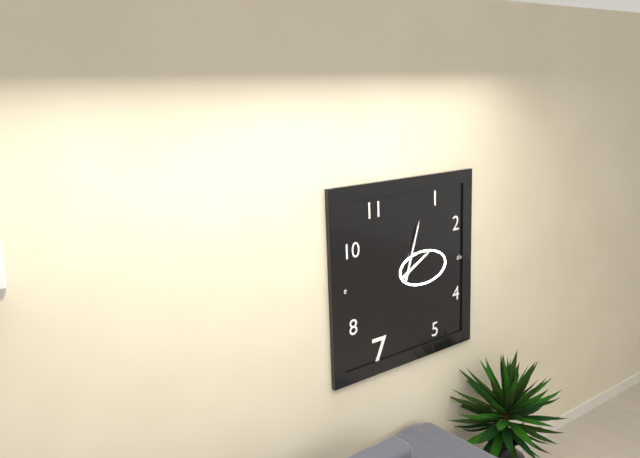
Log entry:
2h03
